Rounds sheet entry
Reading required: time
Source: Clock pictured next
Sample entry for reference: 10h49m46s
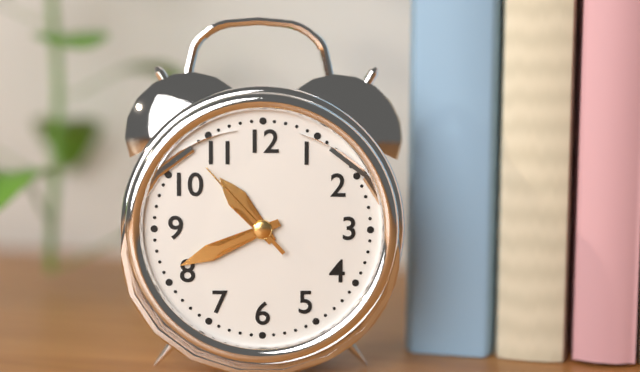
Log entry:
10h41m53s
